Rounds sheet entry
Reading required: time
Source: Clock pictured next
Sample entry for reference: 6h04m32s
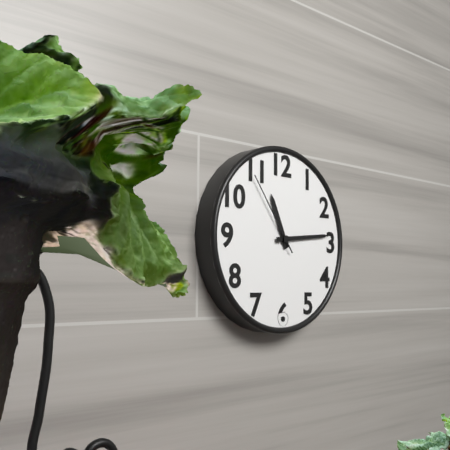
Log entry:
11h14m54s
